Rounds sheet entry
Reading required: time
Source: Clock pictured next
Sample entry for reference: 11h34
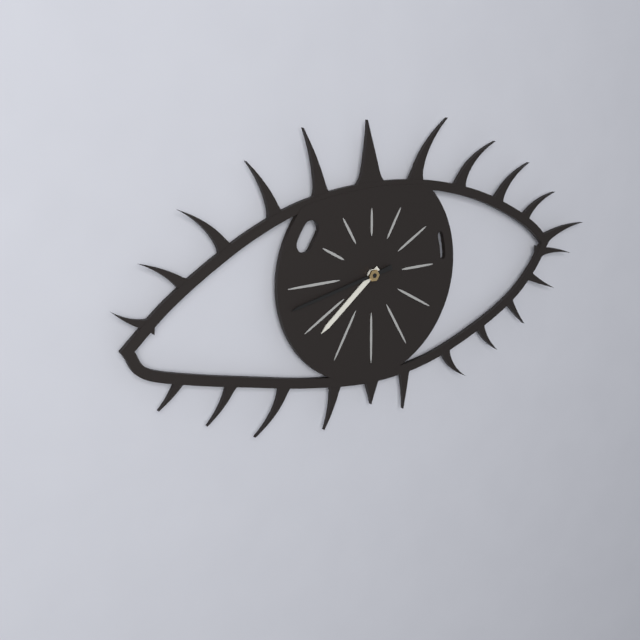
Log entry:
7h43
